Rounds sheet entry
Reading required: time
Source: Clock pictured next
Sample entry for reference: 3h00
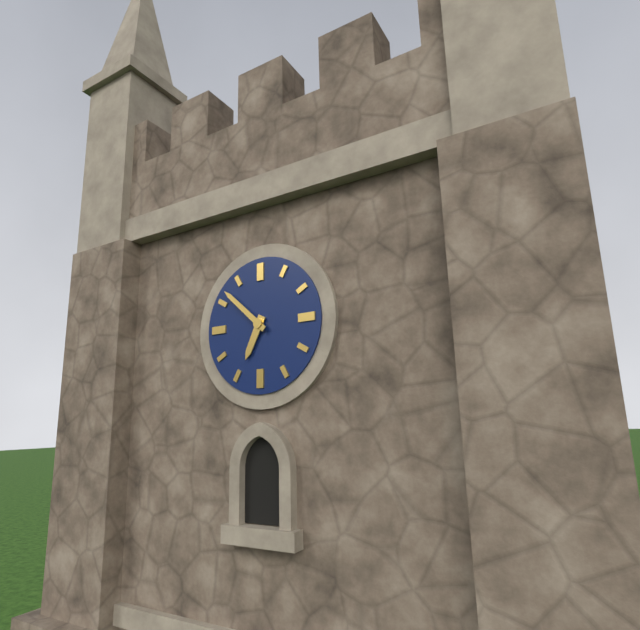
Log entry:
6h52
